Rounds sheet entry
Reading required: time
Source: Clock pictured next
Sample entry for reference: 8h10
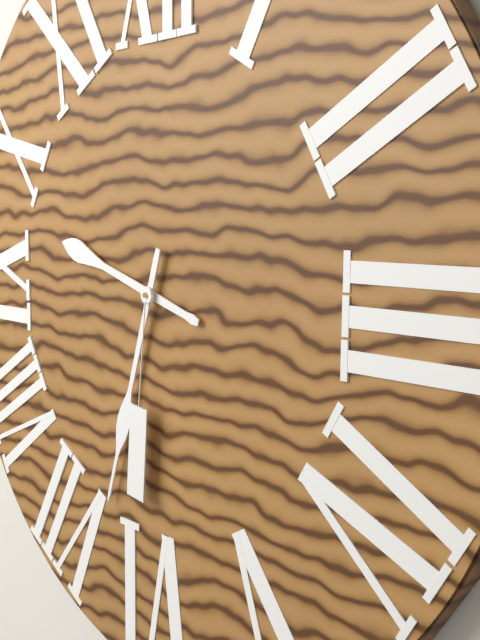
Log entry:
9h33
